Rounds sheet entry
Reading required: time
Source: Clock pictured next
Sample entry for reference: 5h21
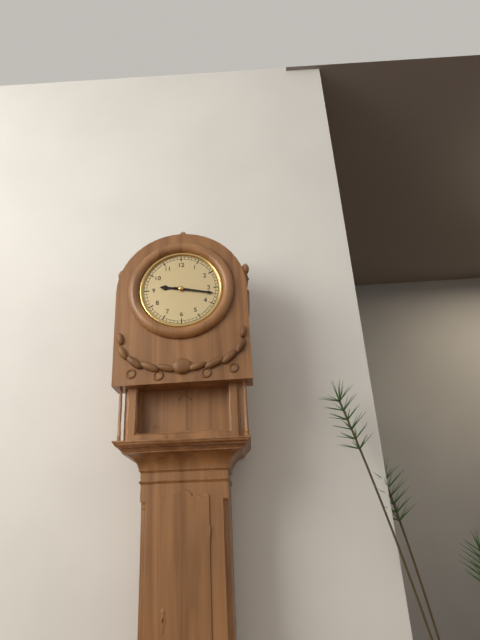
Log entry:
9h17
